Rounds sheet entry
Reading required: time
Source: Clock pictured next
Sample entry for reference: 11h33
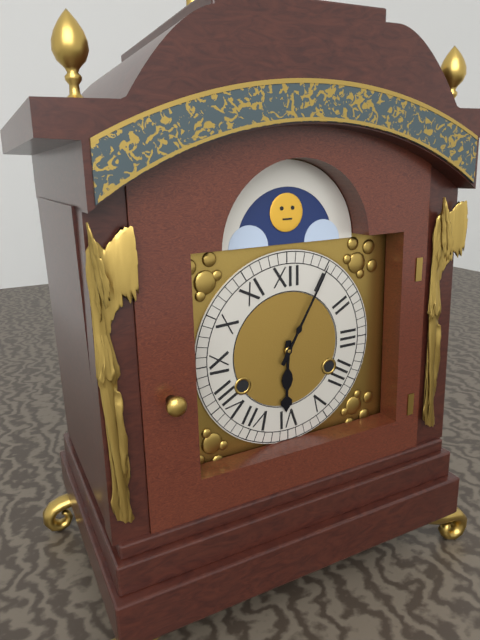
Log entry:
6h05
